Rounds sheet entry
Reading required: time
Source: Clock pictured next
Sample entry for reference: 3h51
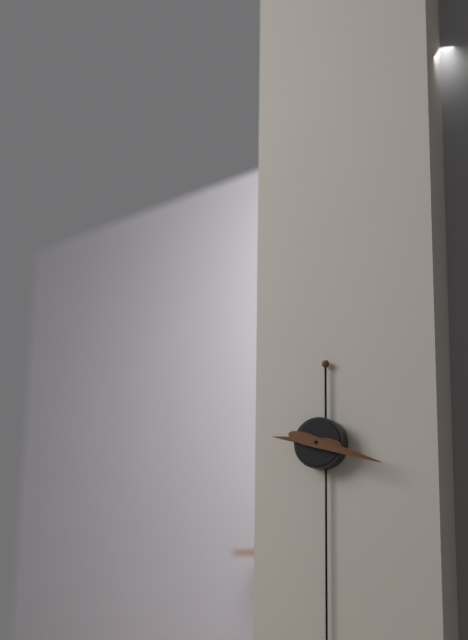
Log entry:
9h18
